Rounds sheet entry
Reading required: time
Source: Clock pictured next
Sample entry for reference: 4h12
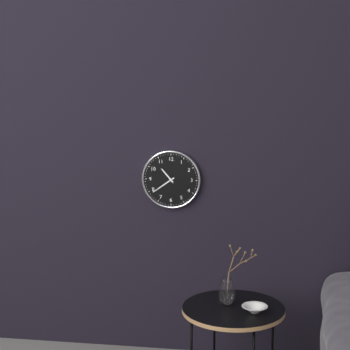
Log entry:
10h39
